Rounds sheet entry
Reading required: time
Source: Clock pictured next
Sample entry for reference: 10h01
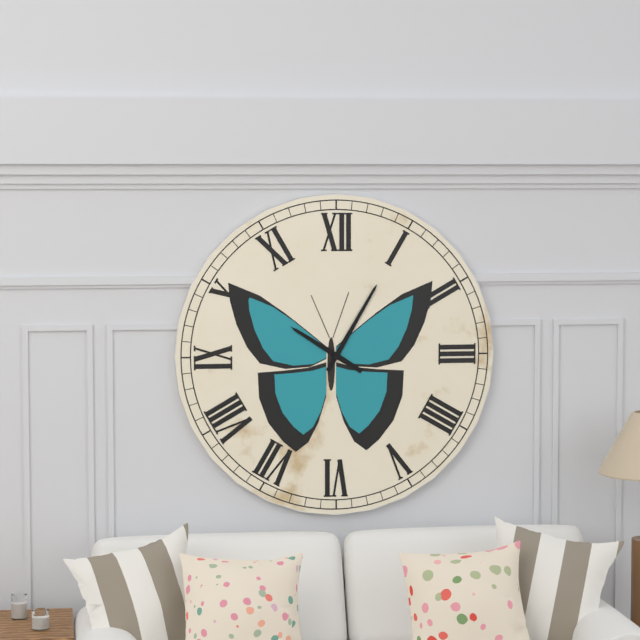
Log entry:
10h05
